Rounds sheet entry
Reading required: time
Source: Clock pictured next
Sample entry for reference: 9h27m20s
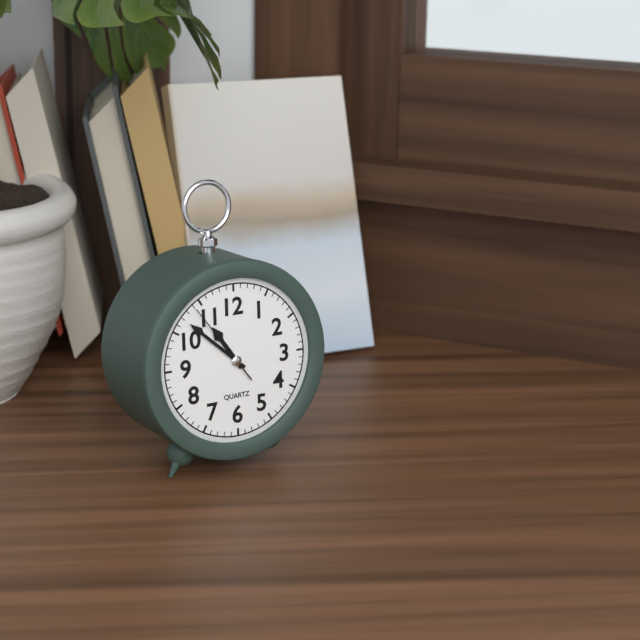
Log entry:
10h52m54s
